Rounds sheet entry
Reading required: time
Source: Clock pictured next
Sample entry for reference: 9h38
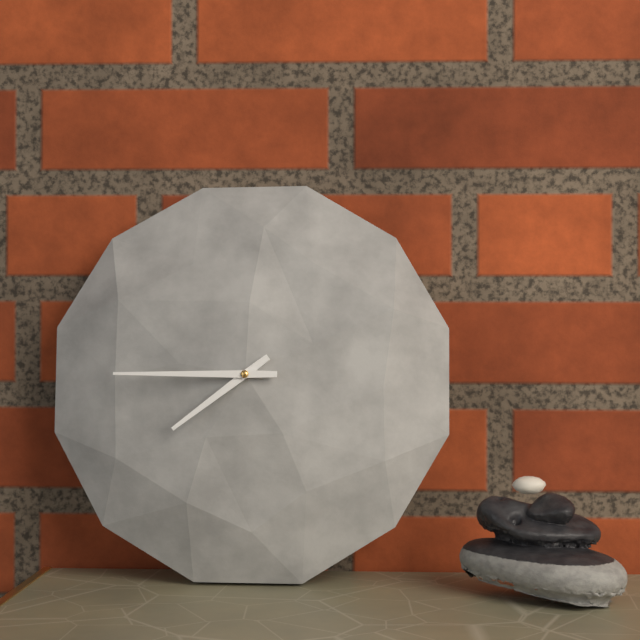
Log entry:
7h45
